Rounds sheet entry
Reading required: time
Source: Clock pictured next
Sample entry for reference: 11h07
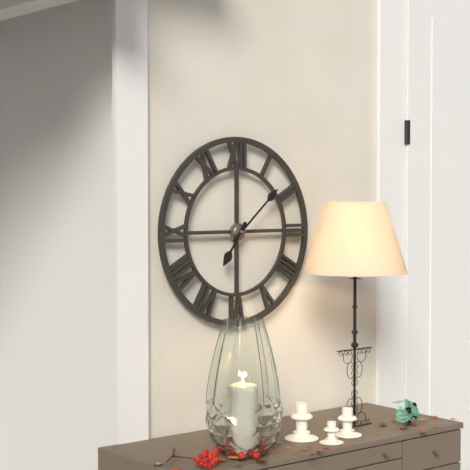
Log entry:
7h08
